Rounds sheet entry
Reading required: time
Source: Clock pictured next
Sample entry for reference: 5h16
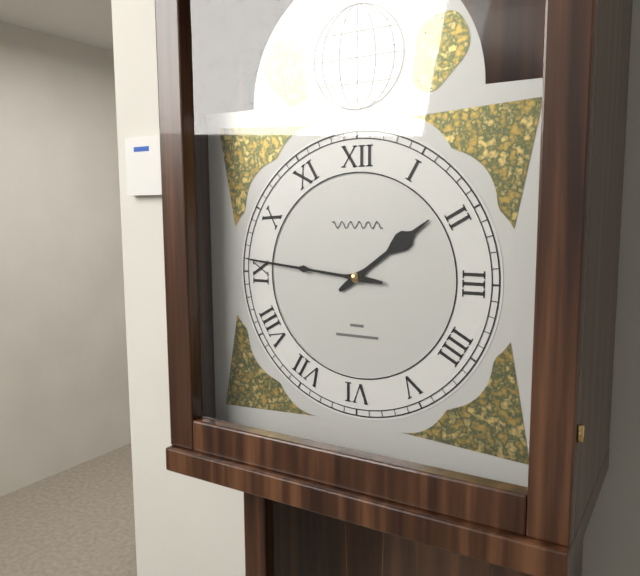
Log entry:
1h46
